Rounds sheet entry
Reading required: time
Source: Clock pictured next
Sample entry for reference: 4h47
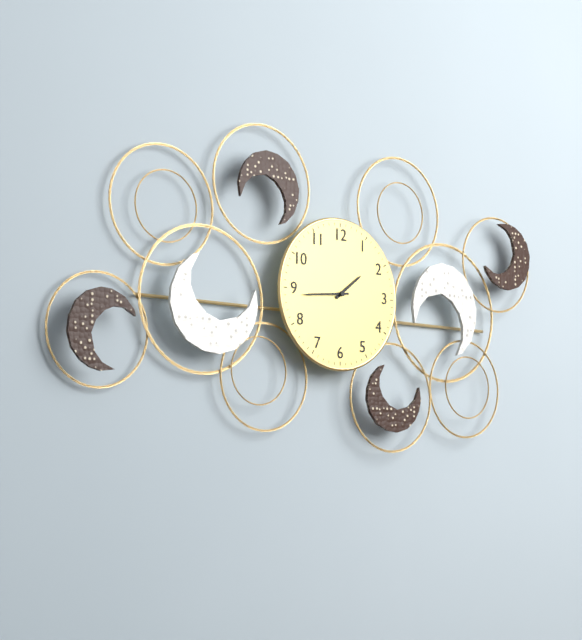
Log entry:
1h44
